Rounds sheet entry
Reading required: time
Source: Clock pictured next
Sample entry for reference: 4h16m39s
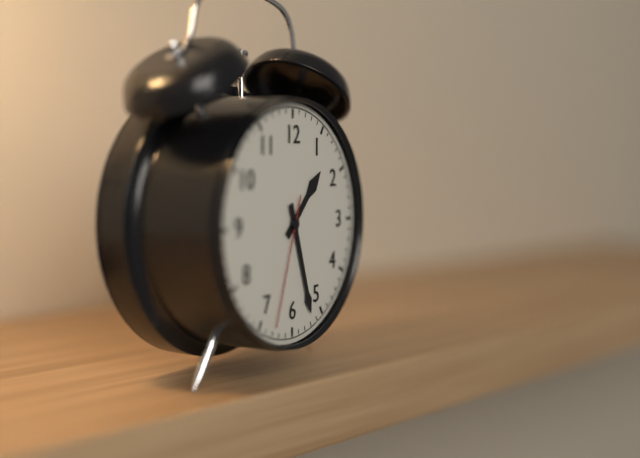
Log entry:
1h27m33s
